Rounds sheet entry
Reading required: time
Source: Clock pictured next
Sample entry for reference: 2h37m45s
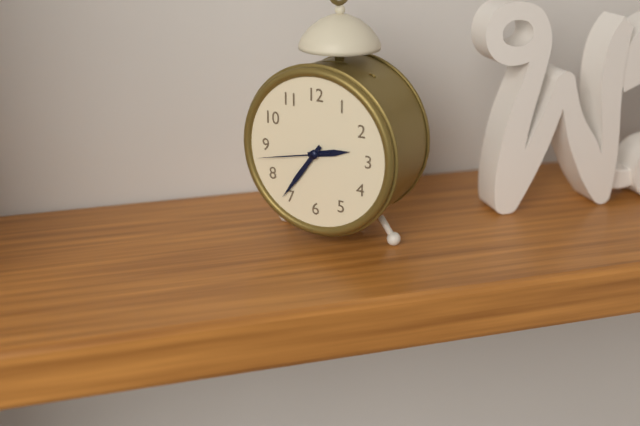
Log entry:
2h36m43s
